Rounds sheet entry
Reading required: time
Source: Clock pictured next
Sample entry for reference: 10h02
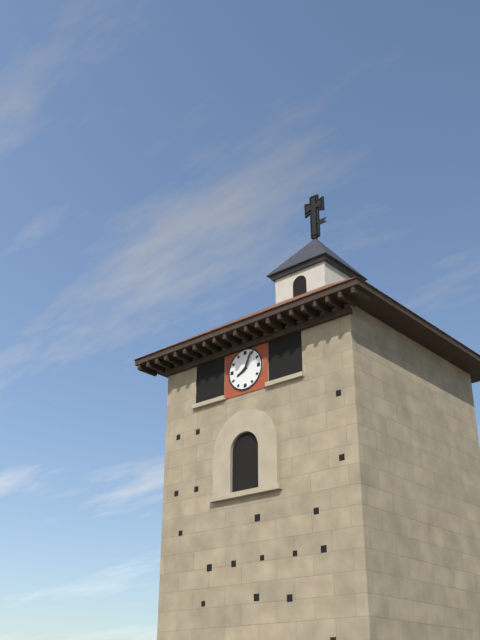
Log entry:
8h04
